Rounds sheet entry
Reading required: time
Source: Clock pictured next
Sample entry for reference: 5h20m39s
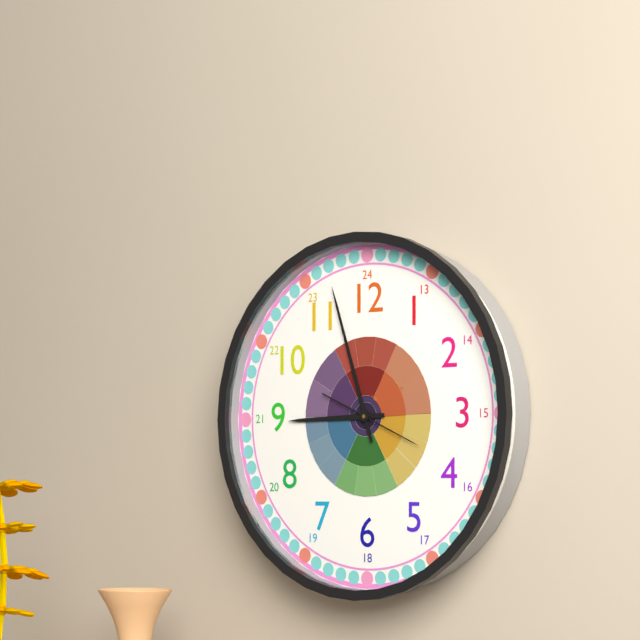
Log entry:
8h57m19s
